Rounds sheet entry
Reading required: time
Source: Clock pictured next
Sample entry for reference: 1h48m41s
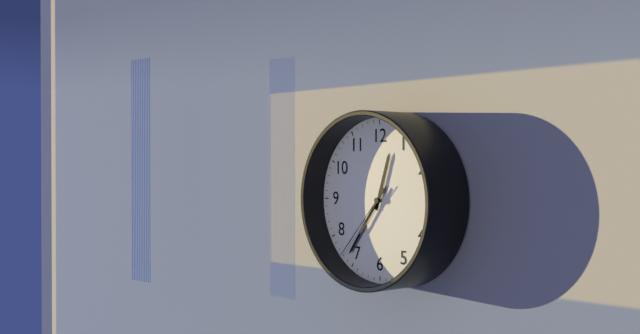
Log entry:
12h36m37s
